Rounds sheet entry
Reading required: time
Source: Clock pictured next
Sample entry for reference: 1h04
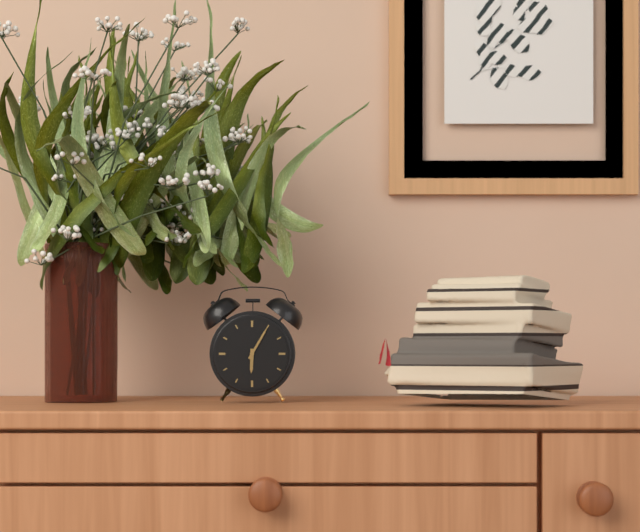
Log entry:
6h05
